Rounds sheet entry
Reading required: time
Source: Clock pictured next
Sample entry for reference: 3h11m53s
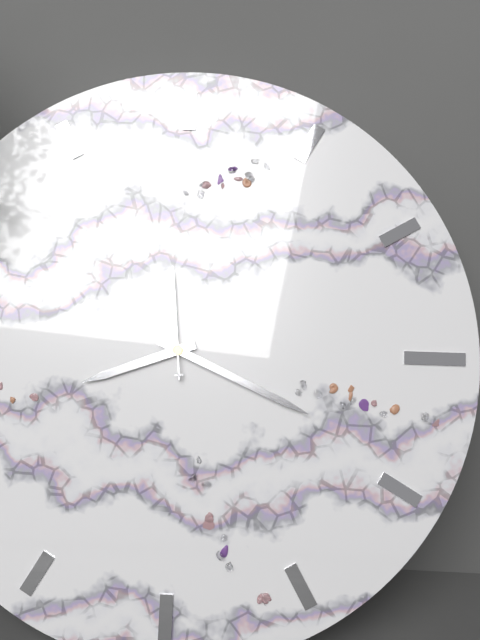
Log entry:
8h19m59s
